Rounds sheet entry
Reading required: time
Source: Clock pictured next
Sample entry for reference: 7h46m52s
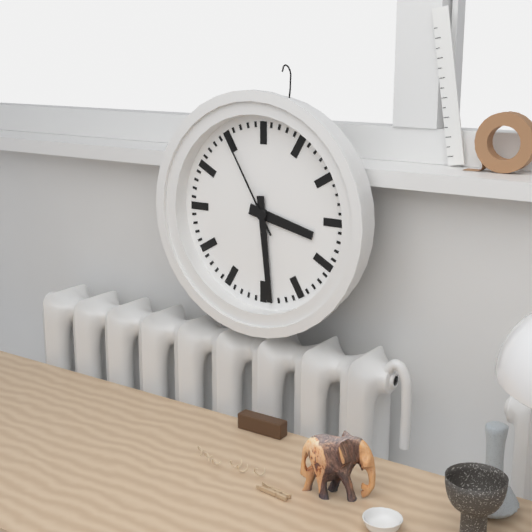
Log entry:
3h29m55s
